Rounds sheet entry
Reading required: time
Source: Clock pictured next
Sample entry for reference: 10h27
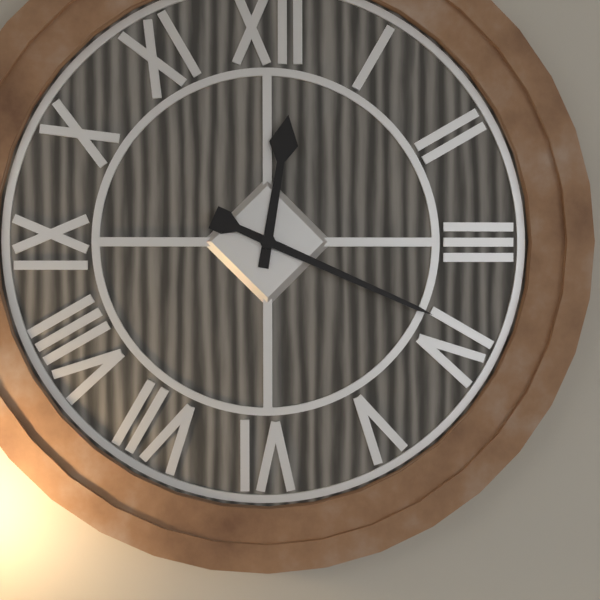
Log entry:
12h19
